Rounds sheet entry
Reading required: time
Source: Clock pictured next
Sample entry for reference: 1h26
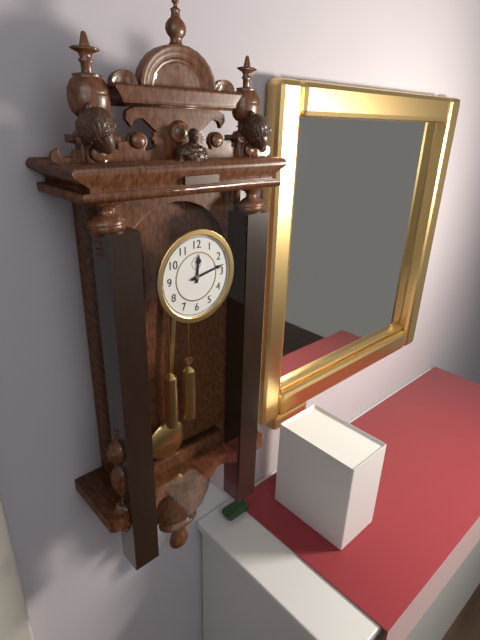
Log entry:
12h13
